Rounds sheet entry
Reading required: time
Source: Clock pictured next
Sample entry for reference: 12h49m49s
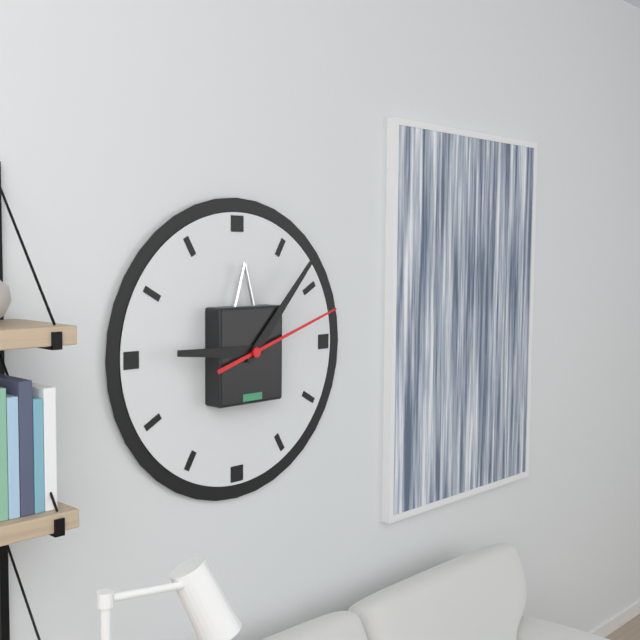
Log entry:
9h07m12s
